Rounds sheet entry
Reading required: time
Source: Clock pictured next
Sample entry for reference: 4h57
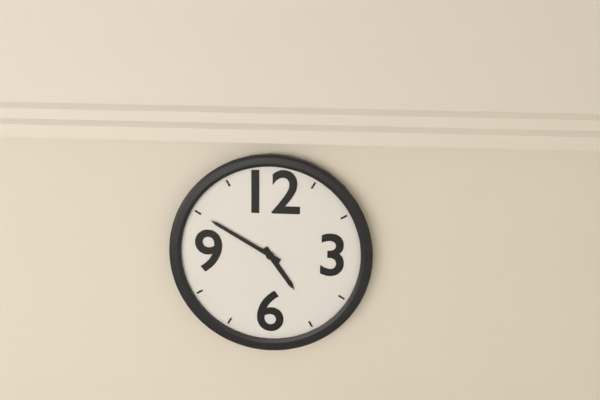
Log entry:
4h50
